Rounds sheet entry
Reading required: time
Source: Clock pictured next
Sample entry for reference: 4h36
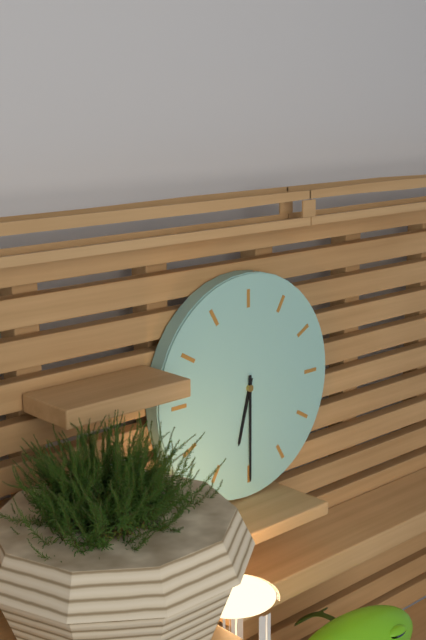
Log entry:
6h30
